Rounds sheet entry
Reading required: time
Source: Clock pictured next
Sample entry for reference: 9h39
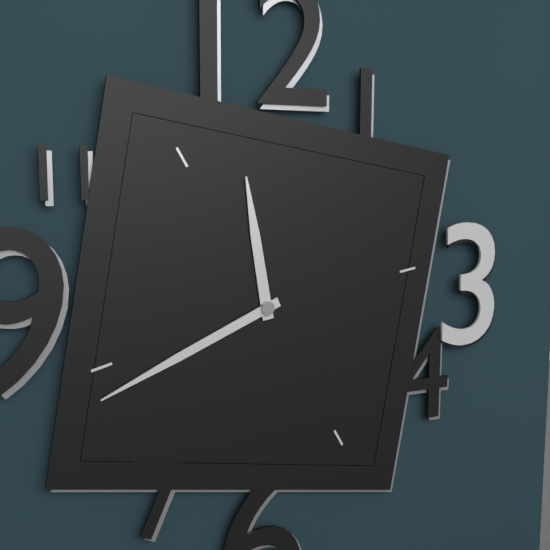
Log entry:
11h41
